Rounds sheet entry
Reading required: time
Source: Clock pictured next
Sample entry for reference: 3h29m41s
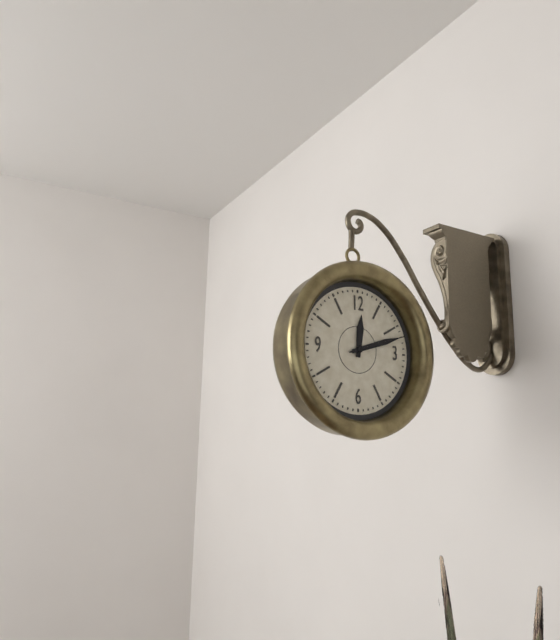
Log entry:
12h12m12s
